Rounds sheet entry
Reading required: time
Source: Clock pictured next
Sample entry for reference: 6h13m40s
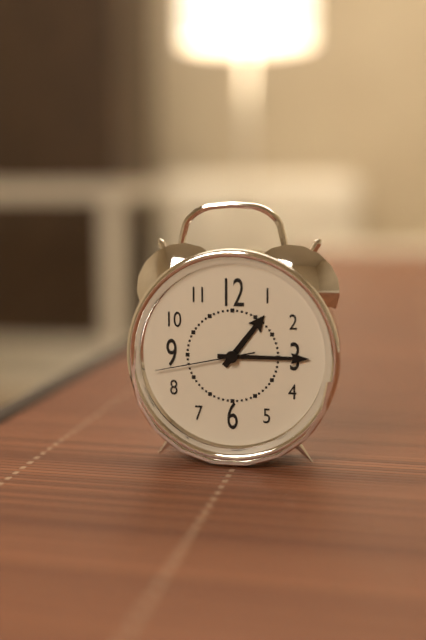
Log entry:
1h15m43s
